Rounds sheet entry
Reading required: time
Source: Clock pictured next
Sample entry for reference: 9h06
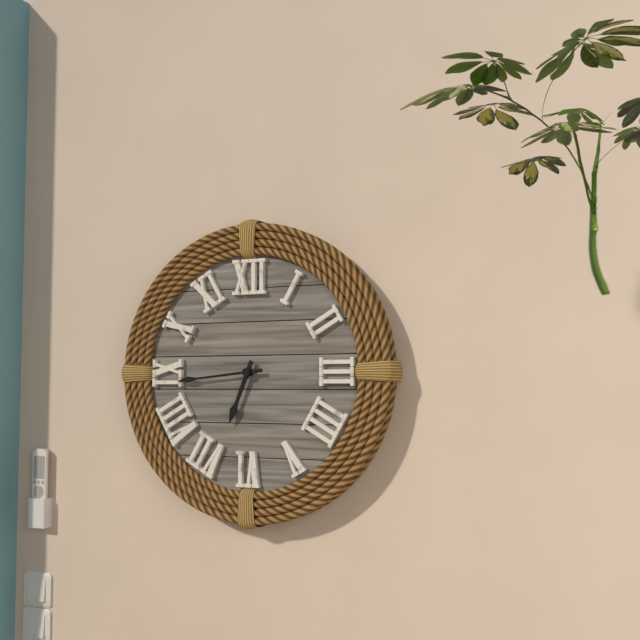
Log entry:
6h44
